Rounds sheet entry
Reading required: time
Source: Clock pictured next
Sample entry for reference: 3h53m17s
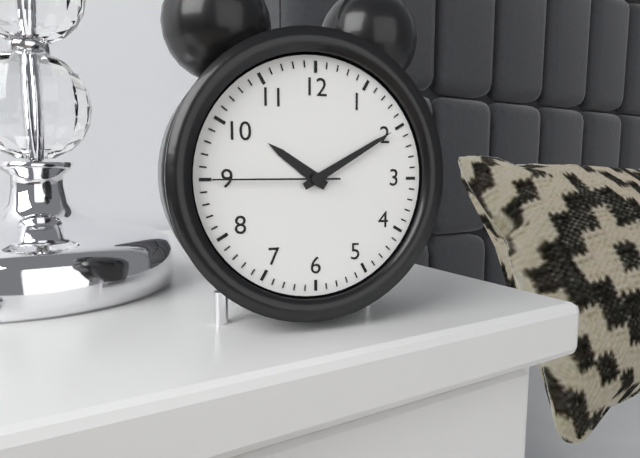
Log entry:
10h10m45s
